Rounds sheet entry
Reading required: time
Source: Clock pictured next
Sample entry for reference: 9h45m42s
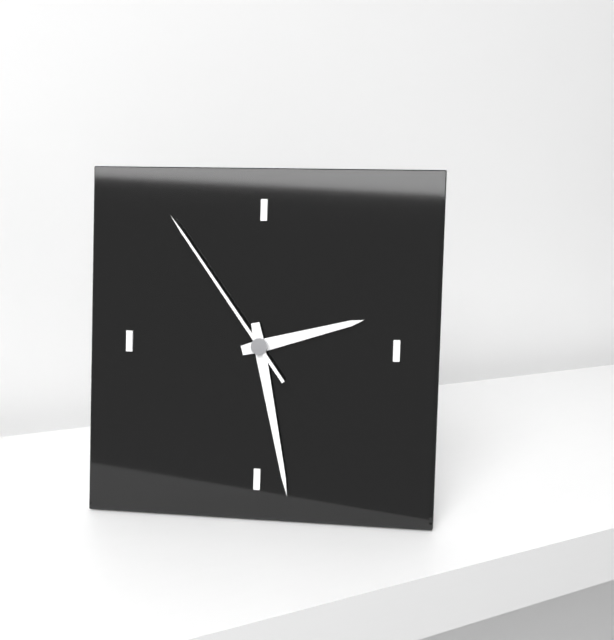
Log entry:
2h28m54s
